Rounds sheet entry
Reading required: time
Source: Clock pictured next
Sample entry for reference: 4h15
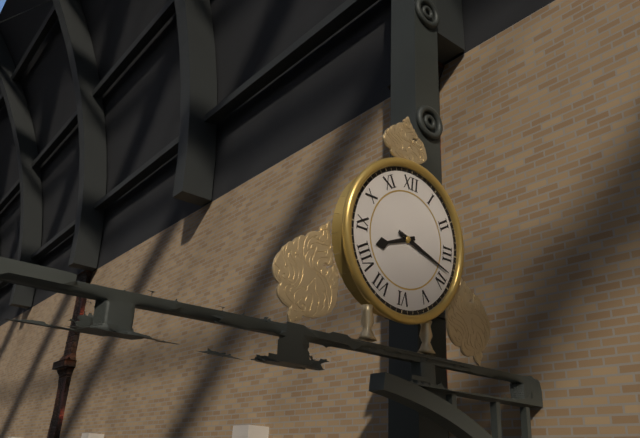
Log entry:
8h18
